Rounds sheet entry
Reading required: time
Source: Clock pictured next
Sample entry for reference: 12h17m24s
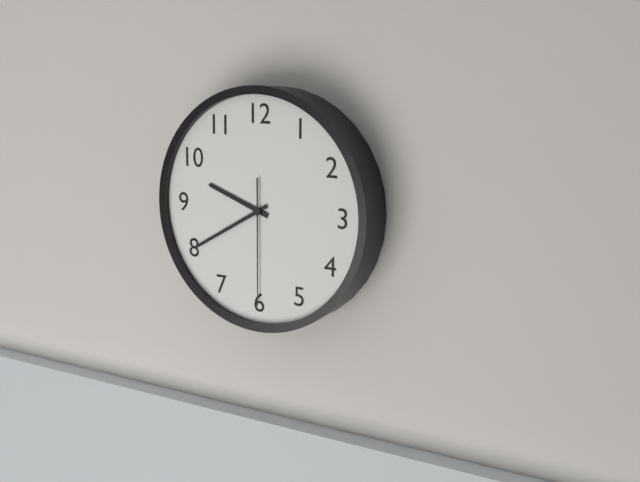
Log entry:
9h40m30s
